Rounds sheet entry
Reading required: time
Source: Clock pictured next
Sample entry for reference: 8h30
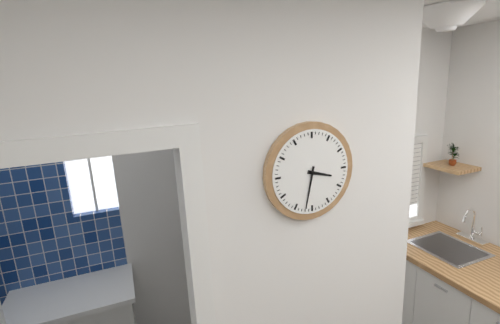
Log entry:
3h32
